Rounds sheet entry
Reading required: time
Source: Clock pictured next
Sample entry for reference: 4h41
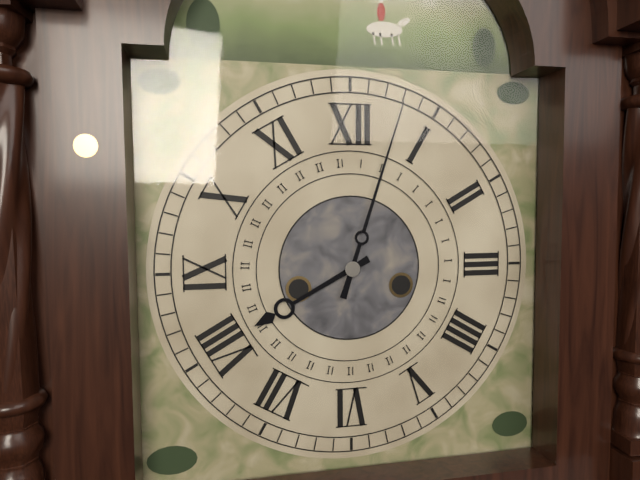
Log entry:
8h03
